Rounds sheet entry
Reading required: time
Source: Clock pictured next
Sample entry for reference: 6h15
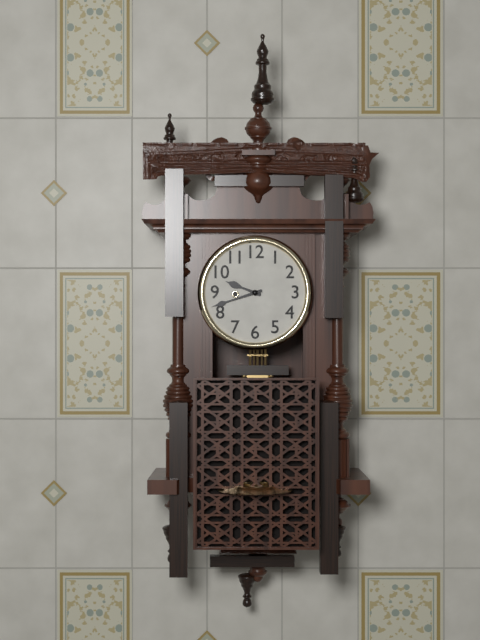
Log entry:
9h42
